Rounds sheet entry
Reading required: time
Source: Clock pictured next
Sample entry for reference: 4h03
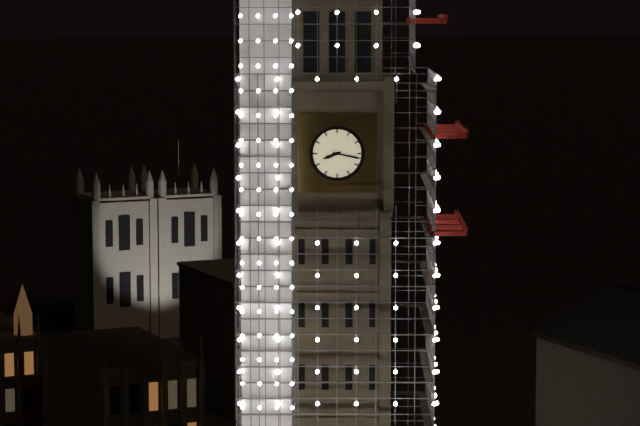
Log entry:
8h17
